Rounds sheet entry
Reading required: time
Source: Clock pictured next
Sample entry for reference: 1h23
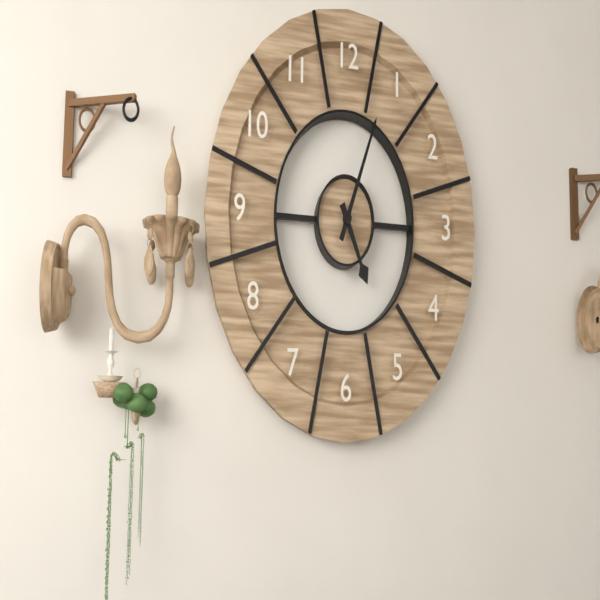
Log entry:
5h04
